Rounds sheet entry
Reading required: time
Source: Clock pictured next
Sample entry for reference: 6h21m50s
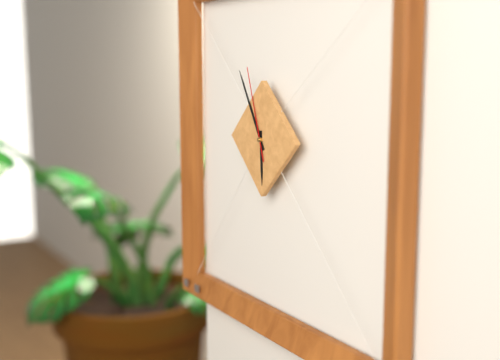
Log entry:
5h55m57s
